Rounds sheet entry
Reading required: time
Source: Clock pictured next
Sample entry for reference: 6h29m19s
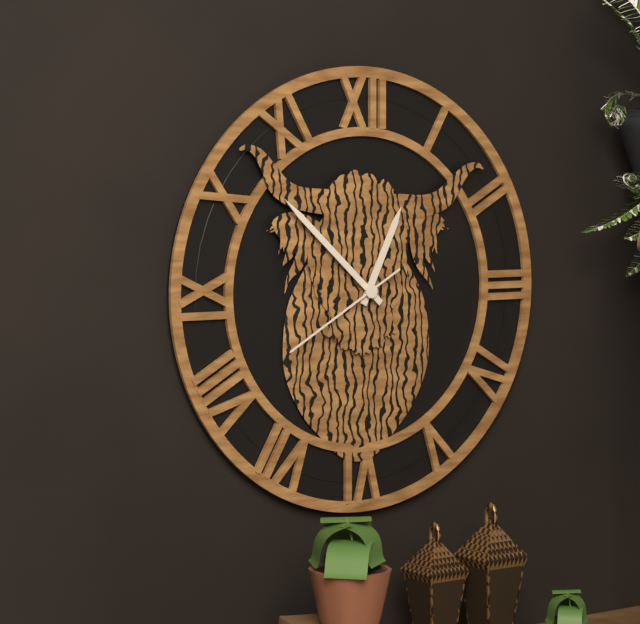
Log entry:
12h52m40s
